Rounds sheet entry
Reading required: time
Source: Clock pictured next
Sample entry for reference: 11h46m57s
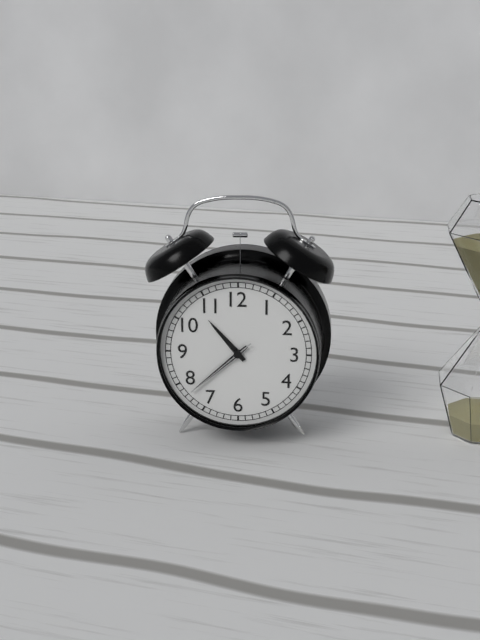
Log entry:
10h38m38s
